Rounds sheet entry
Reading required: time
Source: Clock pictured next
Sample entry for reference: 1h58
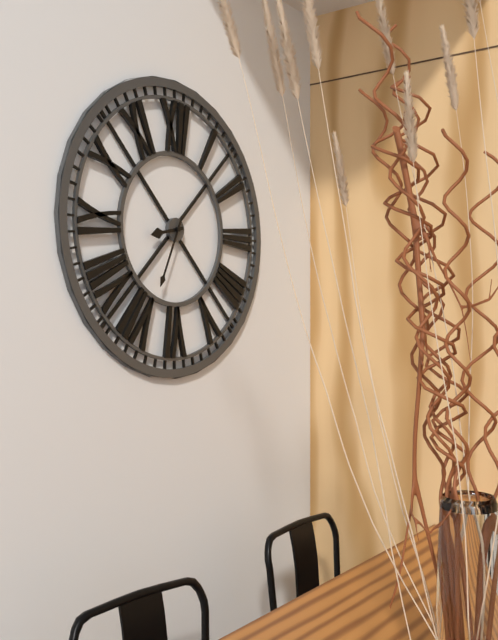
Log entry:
8h34
